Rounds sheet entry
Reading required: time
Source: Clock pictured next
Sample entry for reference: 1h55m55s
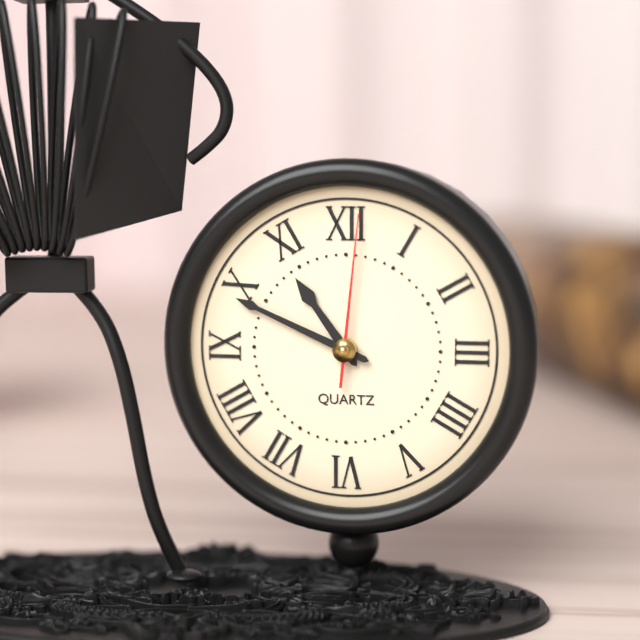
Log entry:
10h49m01s
